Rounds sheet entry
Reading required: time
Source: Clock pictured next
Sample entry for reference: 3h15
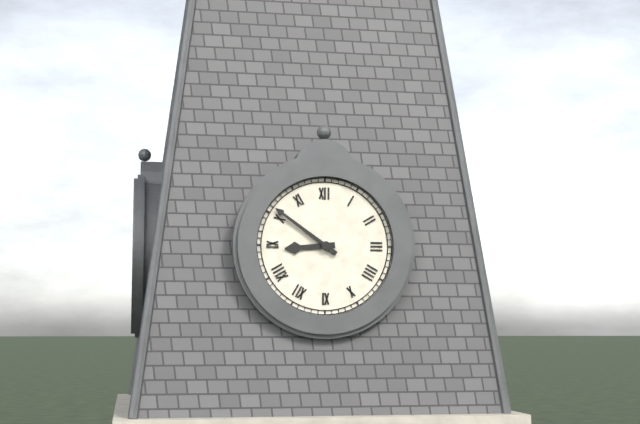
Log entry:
8h51
